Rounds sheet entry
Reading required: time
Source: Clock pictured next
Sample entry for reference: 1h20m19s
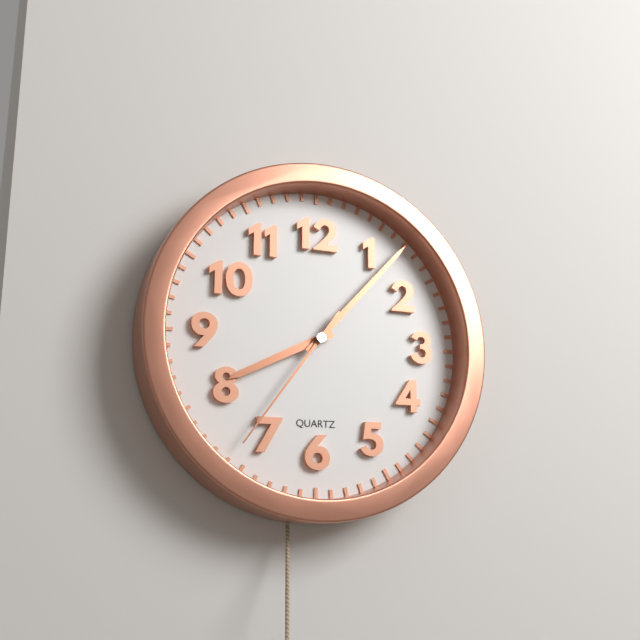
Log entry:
8h07m36s
